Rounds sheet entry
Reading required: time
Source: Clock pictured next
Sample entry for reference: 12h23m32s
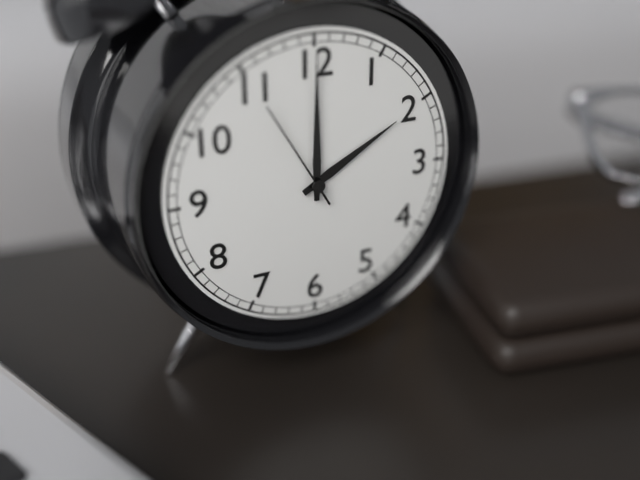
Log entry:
2h00m55s
